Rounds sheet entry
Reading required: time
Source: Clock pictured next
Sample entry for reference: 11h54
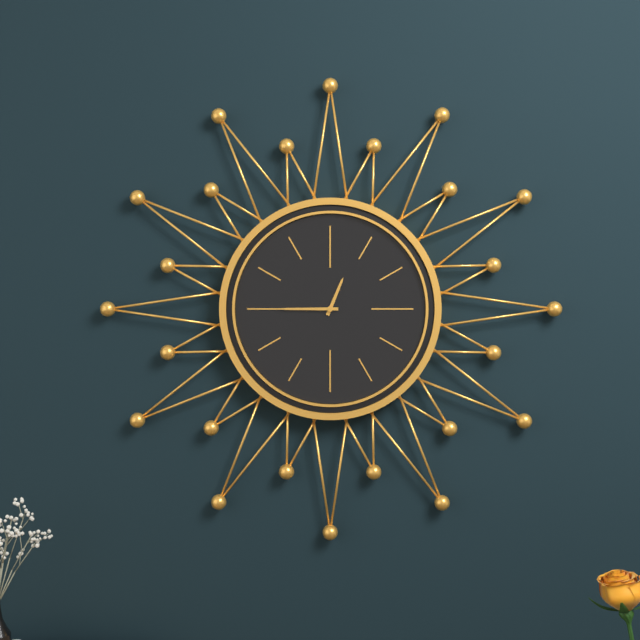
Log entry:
12h45
